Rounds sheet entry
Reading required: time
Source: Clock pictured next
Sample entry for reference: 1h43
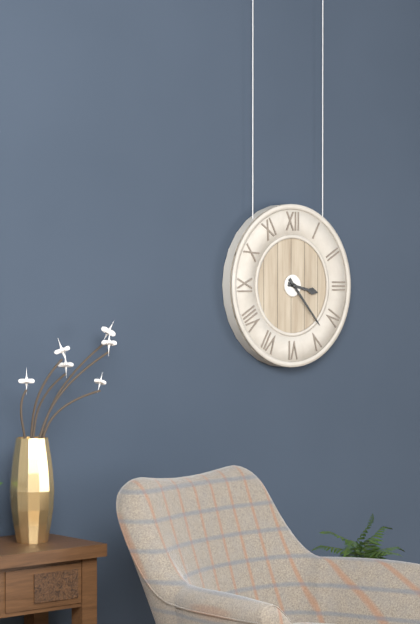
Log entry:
3h23
